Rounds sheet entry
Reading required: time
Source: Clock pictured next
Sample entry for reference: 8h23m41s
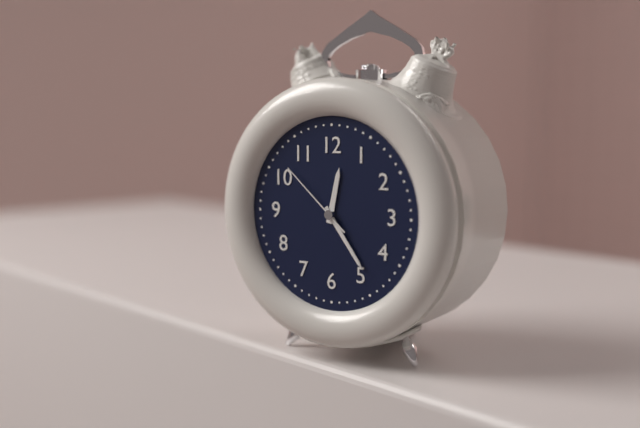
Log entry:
12h24m52s
